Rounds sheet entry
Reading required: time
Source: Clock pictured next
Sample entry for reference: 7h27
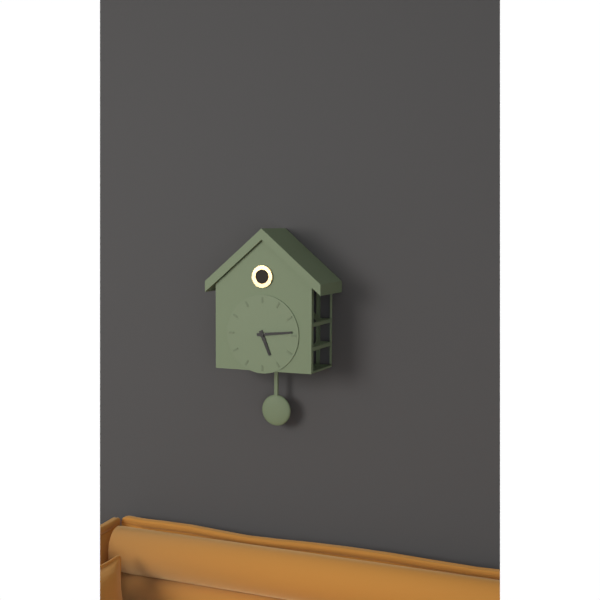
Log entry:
5h14
